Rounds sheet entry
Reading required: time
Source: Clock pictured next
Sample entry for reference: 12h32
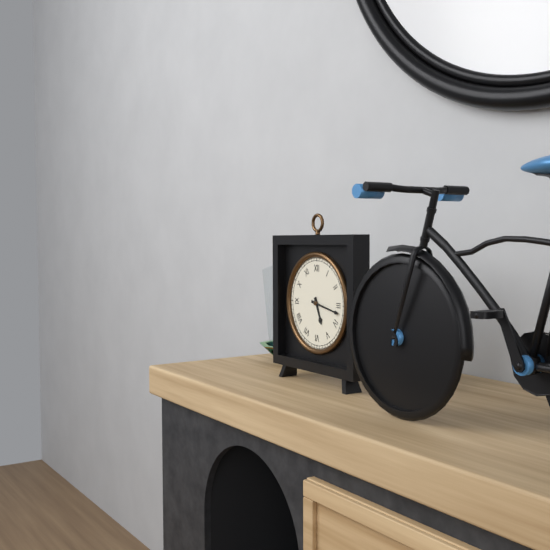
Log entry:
5h17
